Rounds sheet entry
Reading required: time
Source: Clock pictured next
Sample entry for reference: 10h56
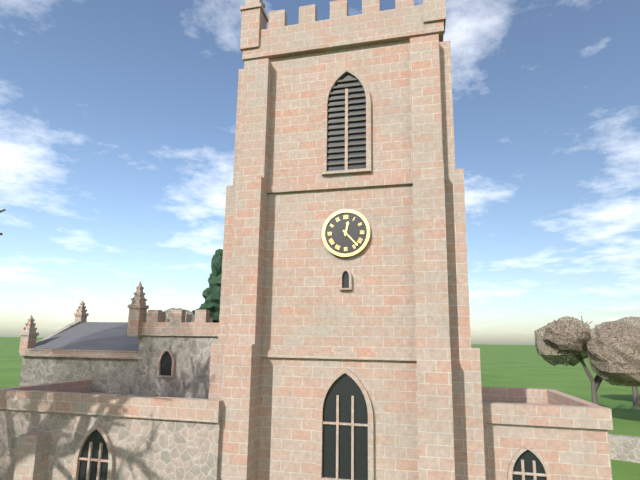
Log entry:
12h23
